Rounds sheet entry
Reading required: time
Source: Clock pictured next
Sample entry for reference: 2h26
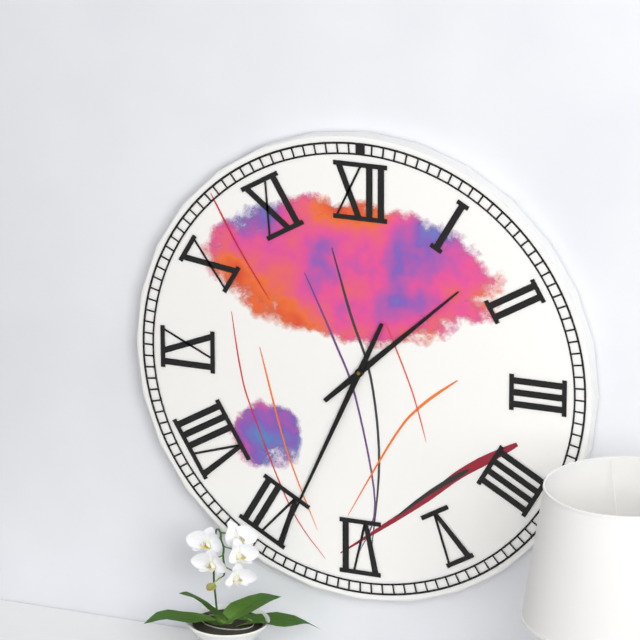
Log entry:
1h34
